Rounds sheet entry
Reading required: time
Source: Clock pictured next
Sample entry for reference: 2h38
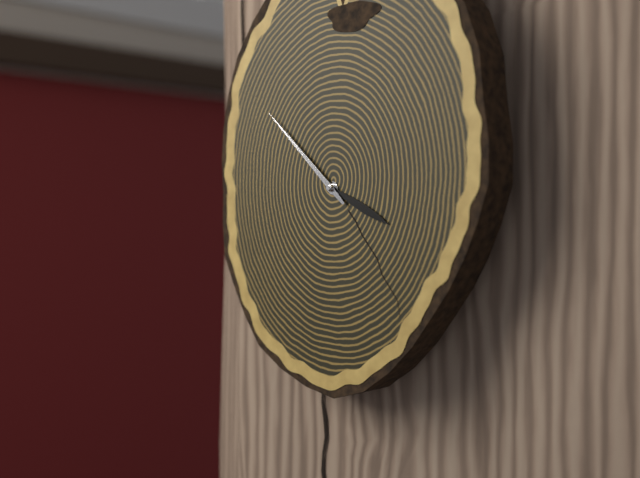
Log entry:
3h52
